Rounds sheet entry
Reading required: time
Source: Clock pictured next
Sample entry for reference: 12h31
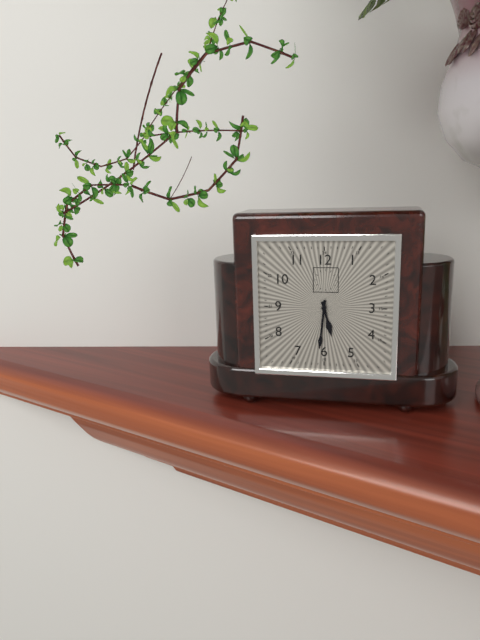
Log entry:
5h31
